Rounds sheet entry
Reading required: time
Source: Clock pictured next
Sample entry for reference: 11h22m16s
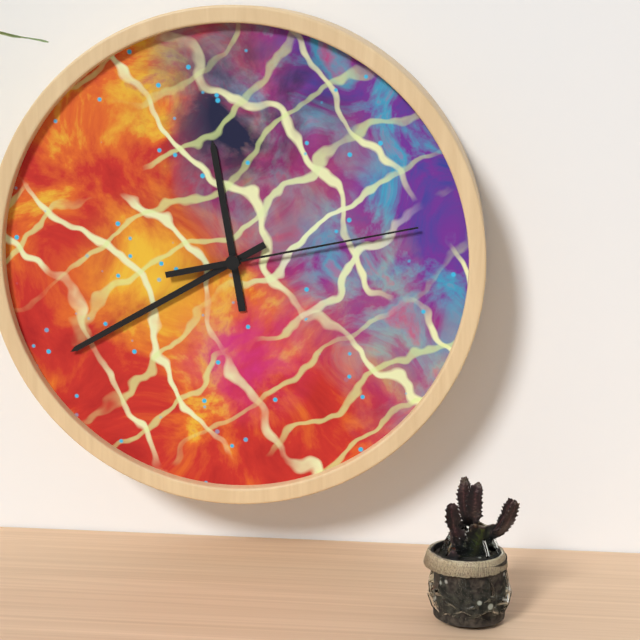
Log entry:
11h40m13s
